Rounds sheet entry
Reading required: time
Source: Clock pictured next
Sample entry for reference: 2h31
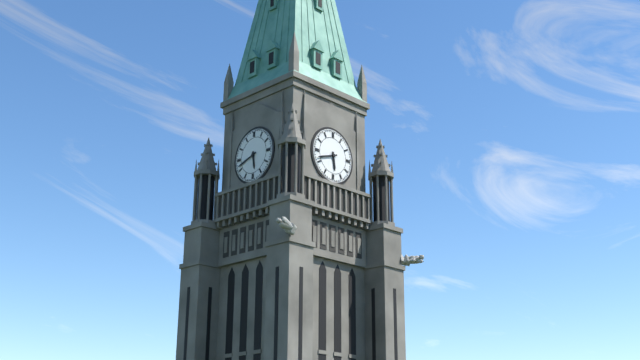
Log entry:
5h42
